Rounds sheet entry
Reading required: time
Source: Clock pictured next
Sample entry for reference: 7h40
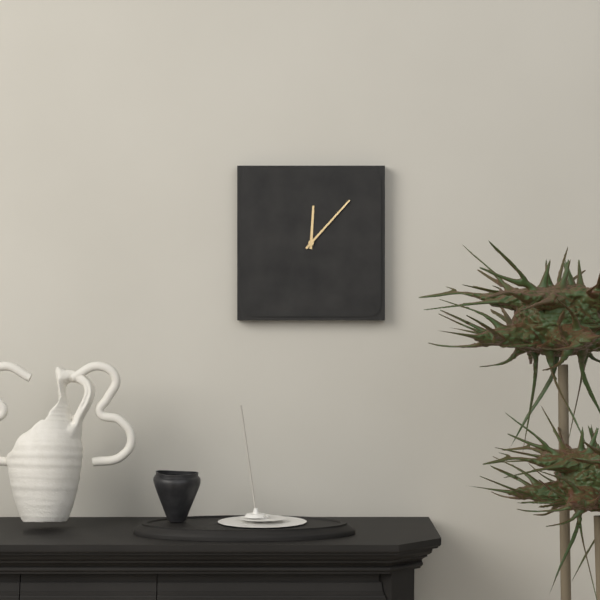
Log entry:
12h07
